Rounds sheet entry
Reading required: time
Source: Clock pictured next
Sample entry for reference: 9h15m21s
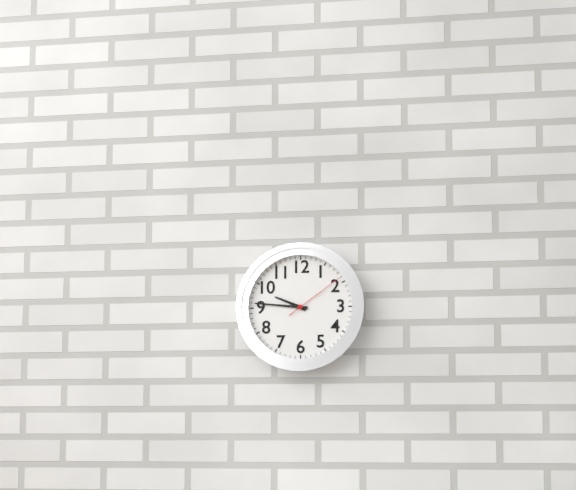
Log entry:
9h46m09s
